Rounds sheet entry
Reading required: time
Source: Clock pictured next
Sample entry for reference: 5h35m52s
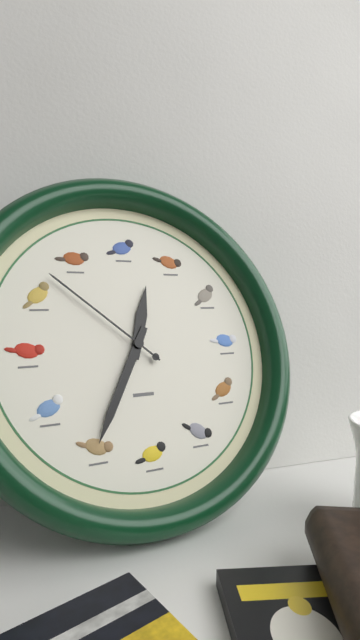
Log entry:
12h35m52s
